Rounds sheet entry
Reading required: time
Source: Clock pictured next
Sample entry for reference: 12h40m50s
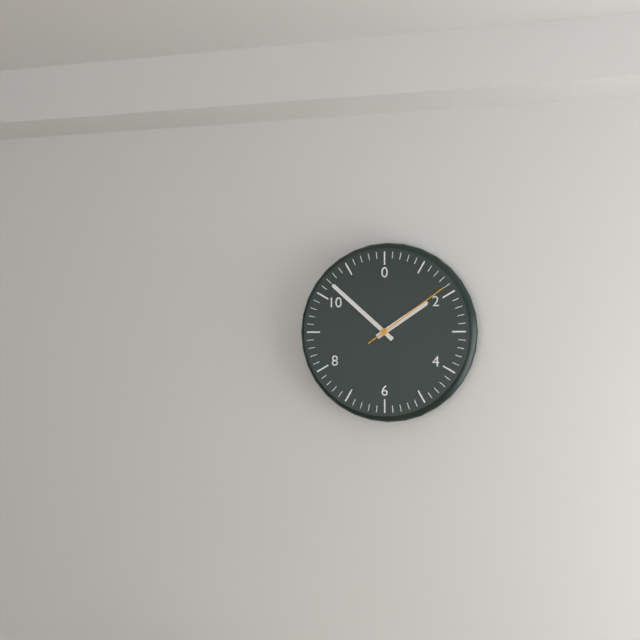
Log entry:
1h52m09s
